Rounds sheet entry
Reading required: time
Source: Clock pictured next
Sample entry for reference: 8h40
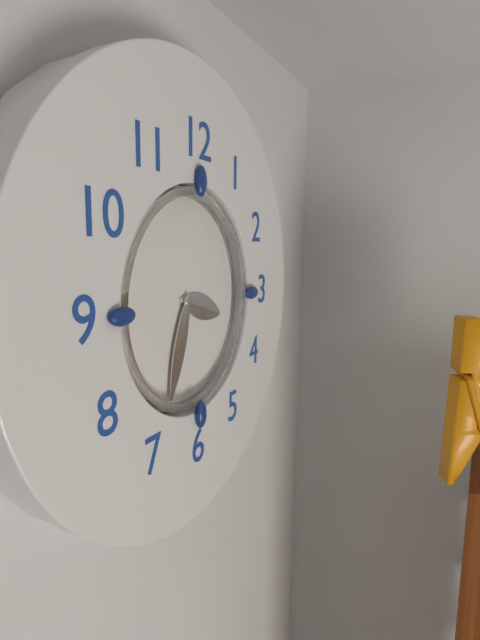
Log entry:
3h33
